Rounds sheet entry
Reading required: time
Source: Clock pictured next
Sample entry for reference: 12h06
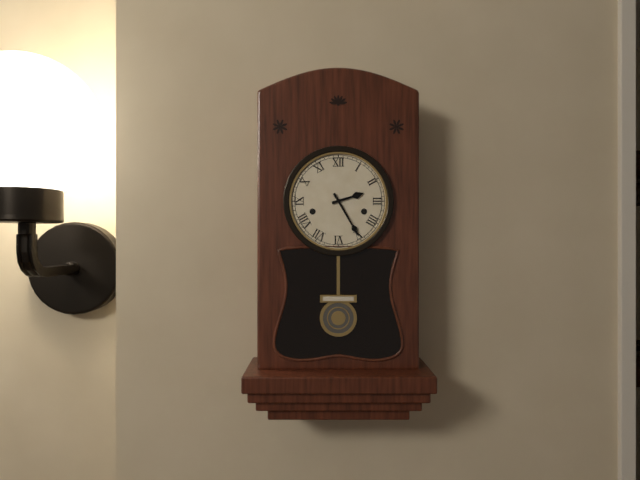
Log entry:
2h25
